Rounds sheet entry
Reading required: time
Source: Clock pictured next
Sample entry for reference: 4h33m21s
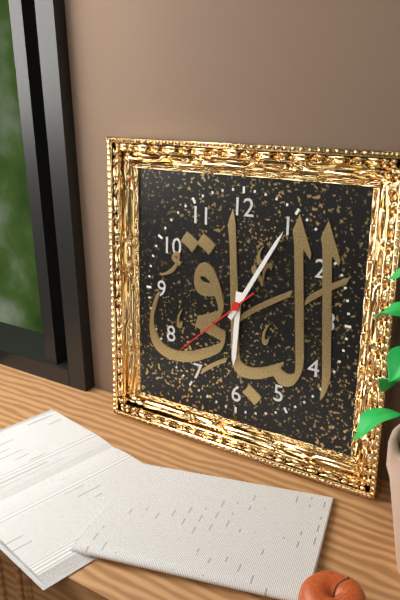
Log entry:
6h05m38s
